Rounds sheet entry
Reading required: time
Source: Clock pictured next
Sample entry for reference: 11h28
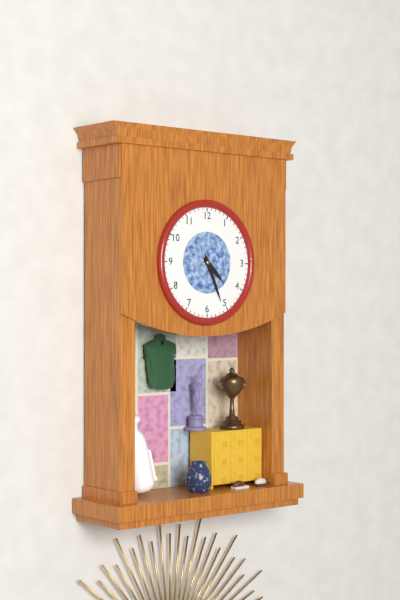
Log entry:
4h26
